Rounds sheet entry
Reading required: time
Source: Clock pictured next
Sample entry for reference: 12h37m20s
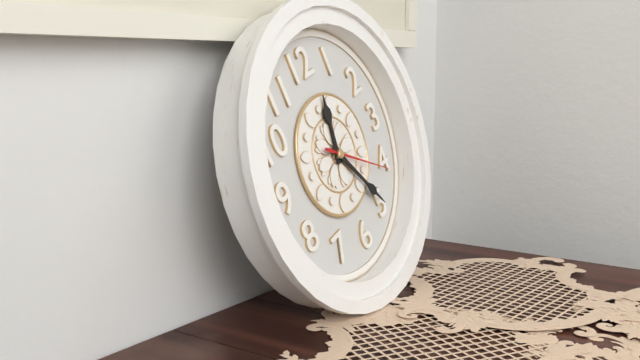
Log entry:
12h25m21s
